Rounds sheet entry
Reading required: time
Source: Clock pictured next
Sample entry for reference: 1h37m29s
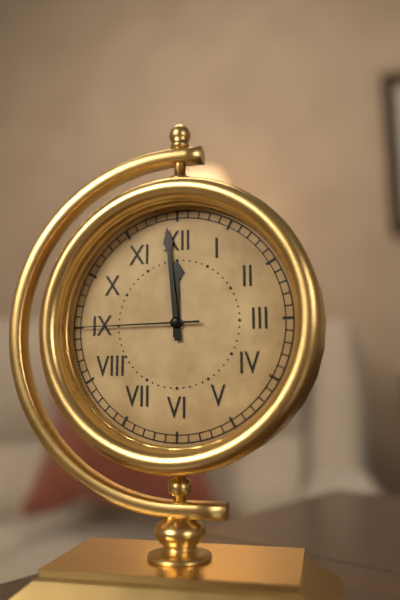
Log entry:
11h59m45s
